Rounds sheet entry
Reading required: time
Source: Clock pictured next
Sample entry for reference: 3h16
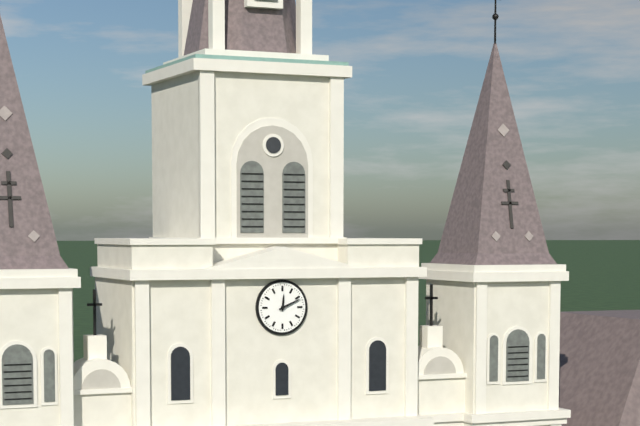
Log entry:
12h11
